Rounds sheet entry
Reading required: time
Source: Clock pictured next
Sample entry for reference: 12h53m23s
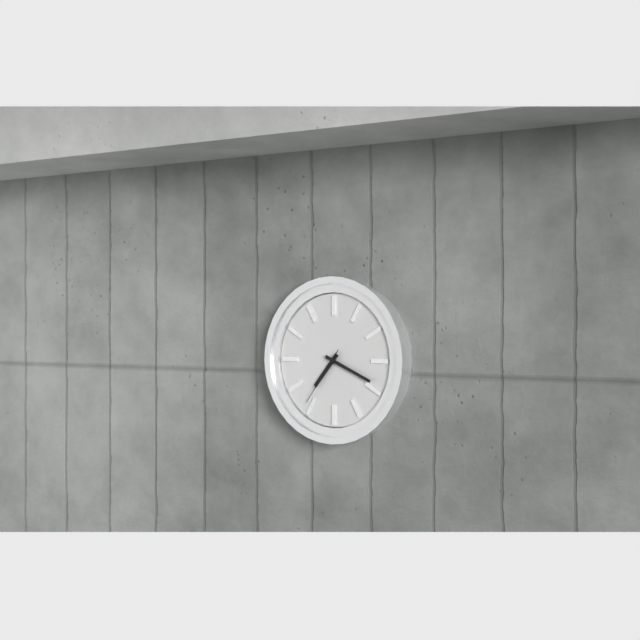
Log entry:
7h19m36s
